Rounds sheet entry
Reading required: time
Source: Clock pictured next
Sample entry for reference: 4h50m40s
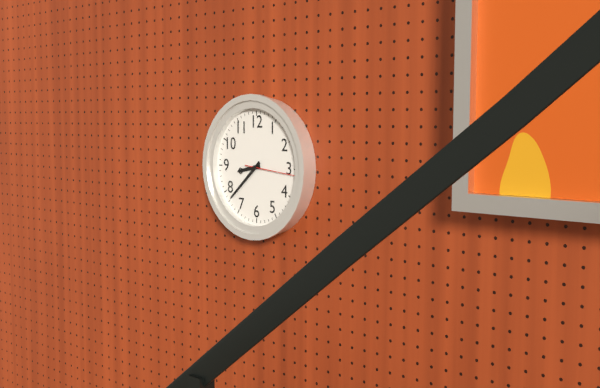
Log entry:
8h38m16s
